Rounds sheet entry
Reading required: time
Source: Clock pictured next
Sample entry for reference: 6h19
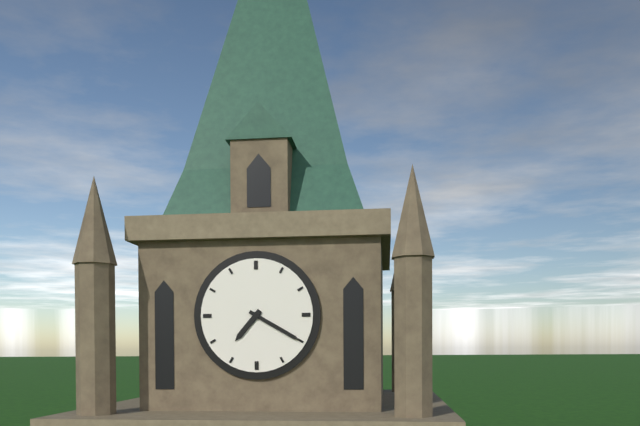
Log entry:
7h20
